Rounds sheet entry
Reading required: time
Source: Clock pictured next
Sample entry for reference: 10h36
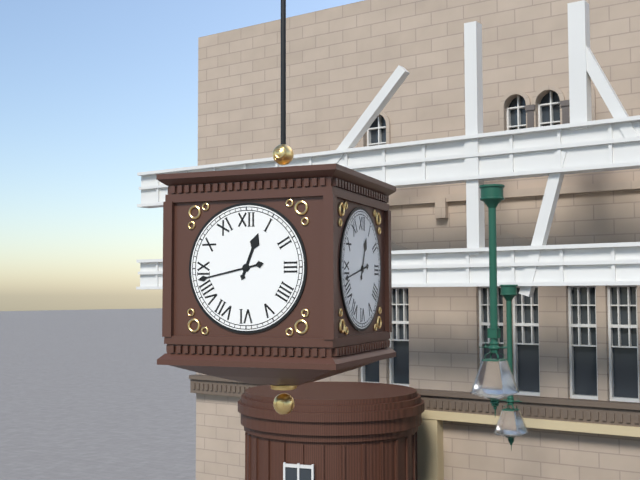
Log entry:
12h43
